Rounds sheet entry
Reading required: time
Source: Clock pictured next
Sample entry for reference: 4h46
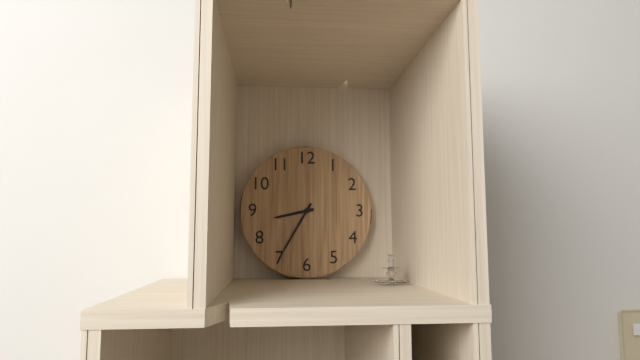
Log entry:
8h35
